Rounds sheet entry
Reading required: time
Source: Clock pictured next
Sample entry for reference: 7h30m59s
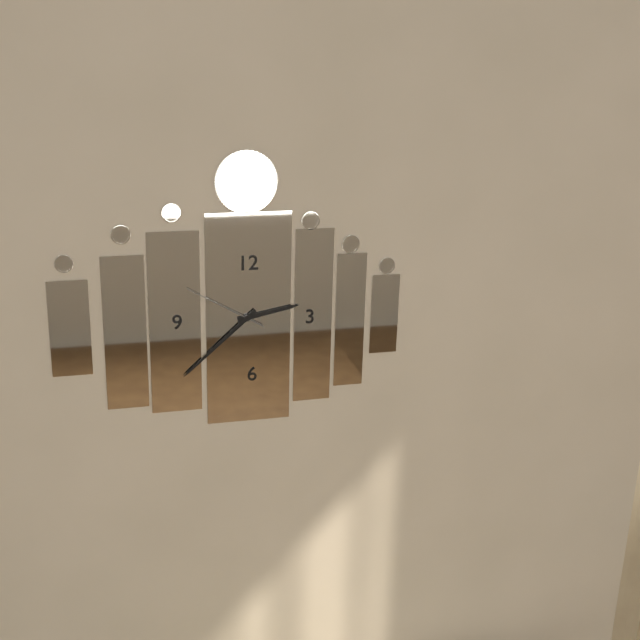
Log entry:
2h38m50s
